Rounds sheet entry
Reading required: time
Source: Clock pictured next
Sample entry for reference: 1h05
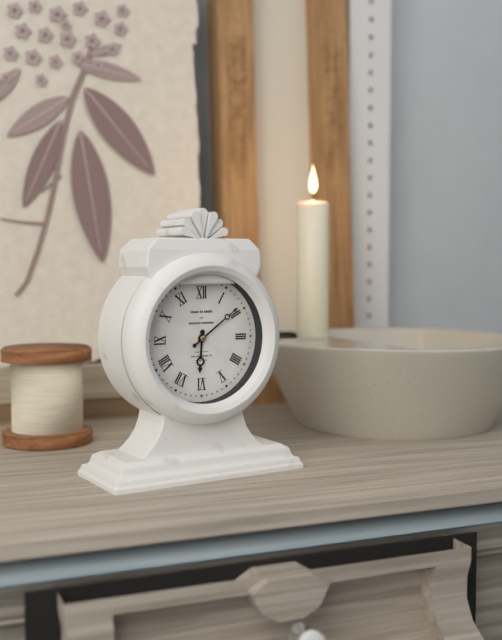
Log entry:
6h09
